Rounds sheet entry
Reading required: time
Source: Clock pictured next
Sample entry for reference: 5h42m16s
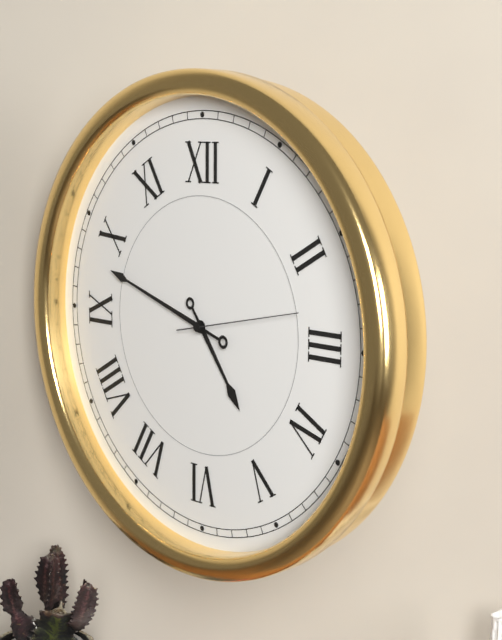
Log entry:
4h48m13s
